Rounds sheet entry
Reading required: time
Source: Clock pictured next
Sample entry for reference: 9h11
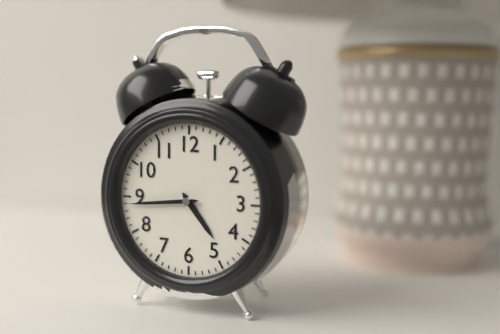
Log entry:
4h44
